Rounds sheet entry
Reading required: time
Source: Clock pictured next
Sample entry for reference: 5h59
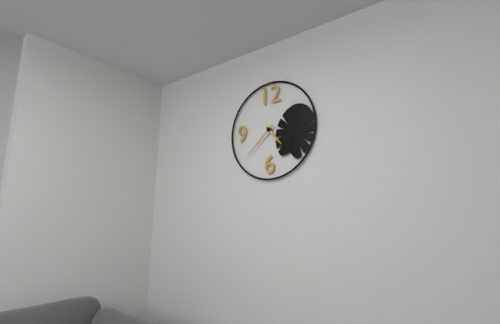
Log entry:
4h38
